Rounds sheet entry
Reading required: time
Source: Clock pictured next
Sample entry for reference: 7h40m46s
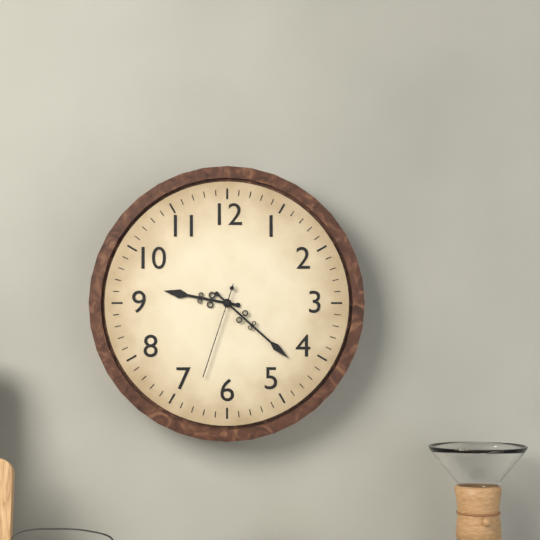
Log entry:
9h22m33s
